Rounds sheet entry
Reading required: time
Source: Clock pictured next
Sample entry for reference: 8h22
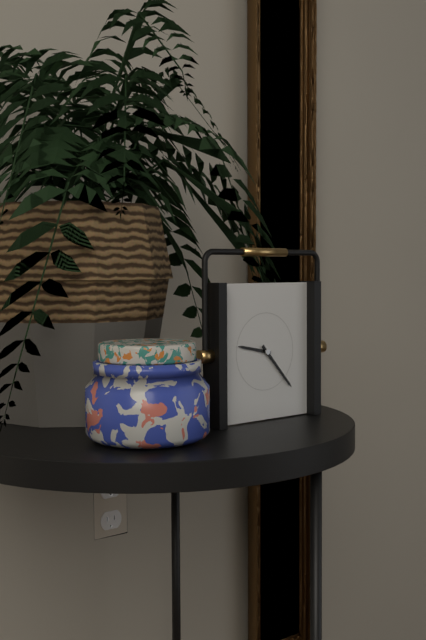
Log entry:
9h23
